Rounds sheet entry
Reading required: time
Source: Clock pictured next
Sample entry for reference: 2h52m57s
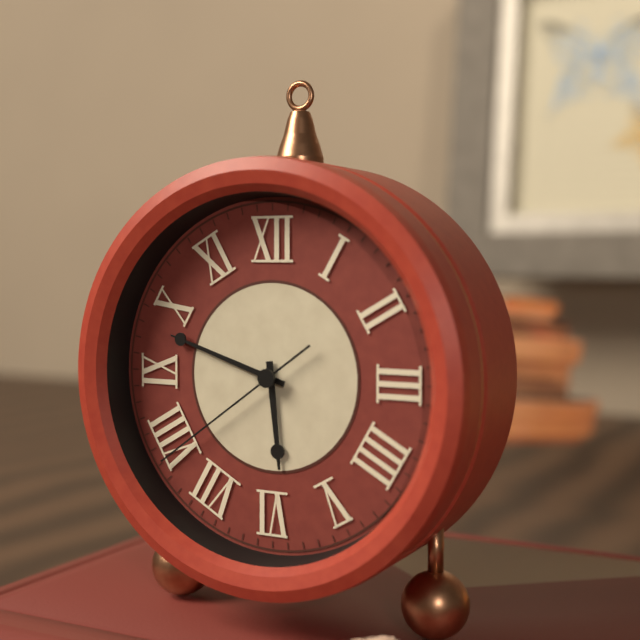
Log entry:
5h48m39s
